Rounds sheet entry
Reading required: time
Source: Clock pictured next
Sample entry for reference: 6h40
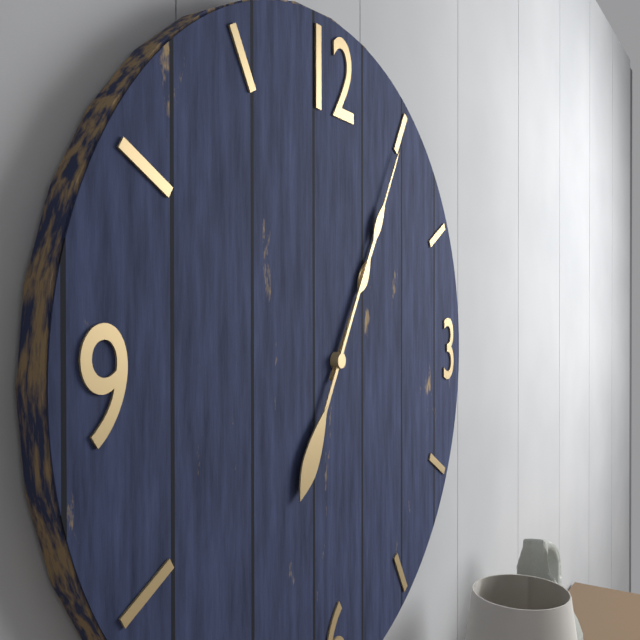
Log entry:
1h05
